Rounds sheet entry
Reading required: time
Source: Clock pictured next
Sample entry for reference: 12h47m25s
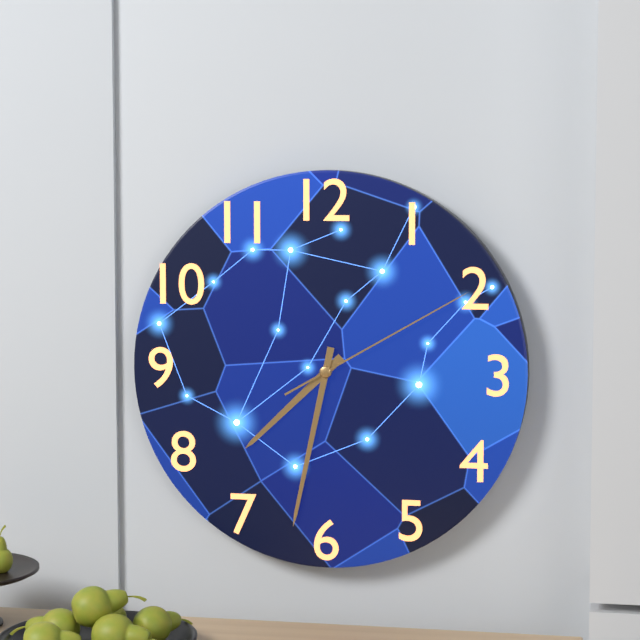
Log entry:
7h32m10s
